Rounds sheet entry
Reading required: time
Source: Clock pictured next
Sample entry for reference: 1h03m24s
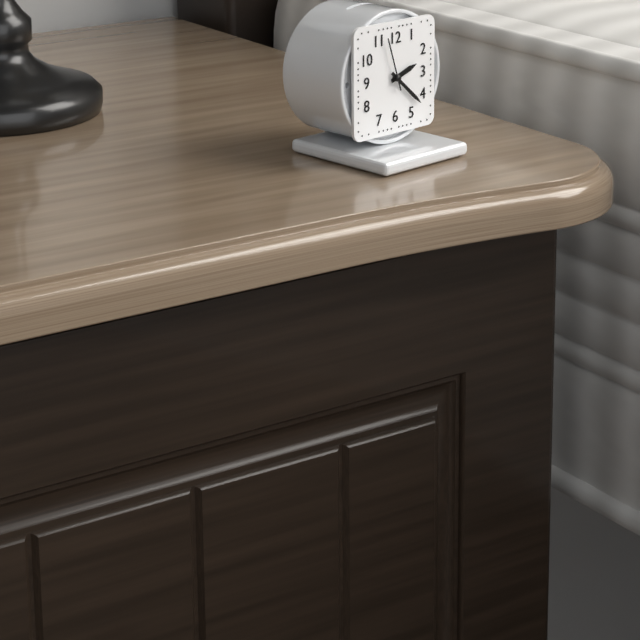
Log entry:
2h22m57s
